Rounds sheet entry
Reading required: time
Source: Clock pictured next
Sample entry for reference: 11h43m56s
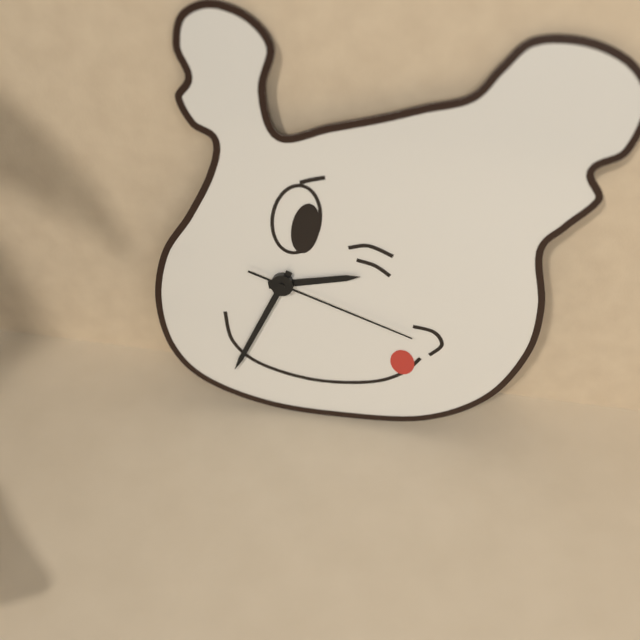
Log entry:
2h34m18s
